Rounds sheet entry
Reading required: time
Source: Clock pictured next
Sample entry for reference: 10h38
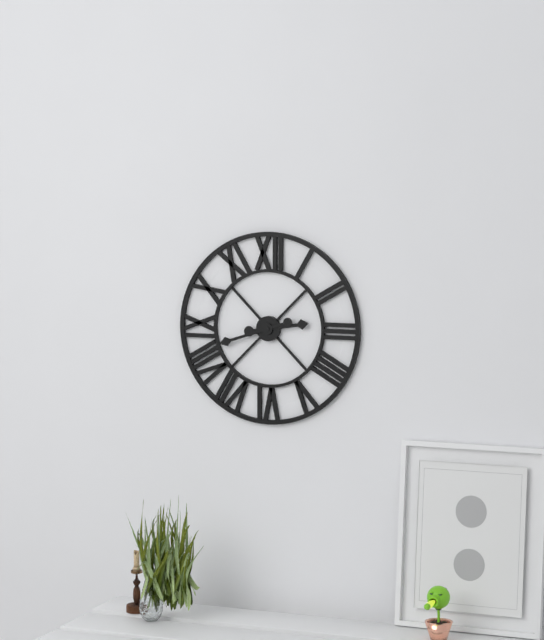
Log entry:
2h42
